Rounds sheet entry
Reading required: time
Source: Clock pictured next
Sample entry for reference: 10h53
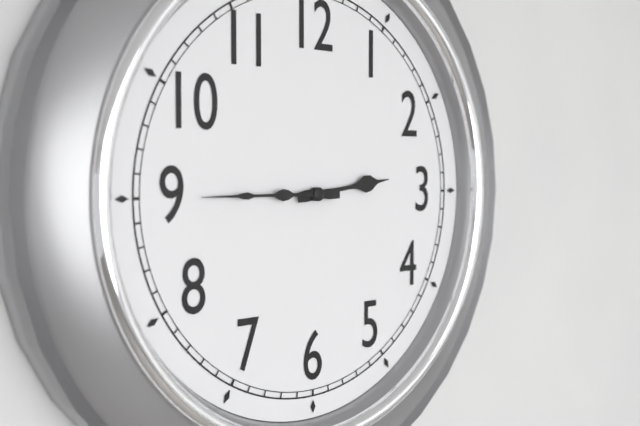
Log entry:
2h45
